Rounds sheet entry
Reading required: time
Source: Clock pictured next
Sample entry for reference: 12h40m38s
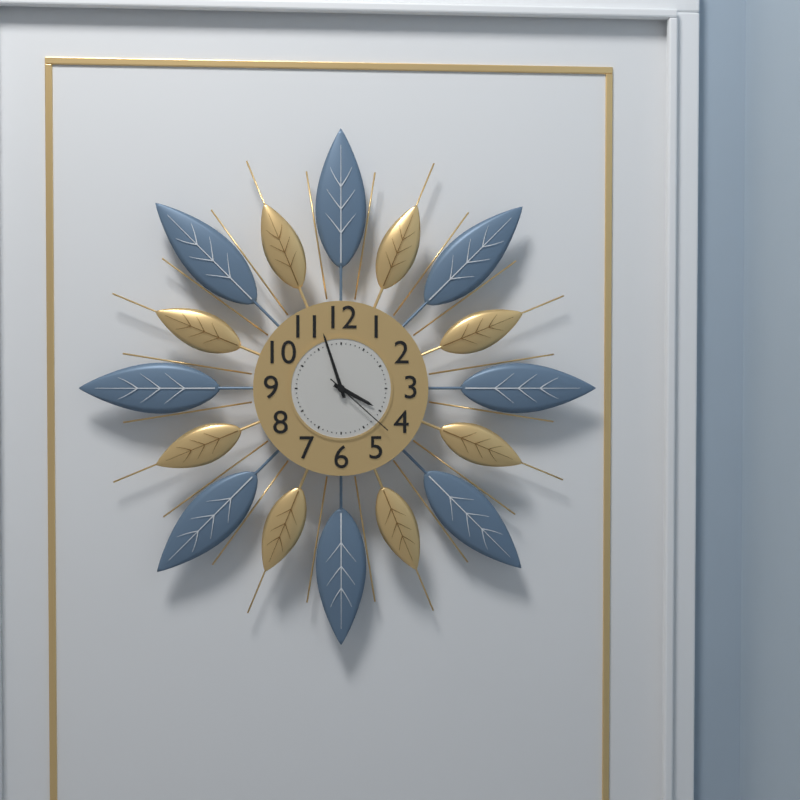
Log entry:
3h57m22s
